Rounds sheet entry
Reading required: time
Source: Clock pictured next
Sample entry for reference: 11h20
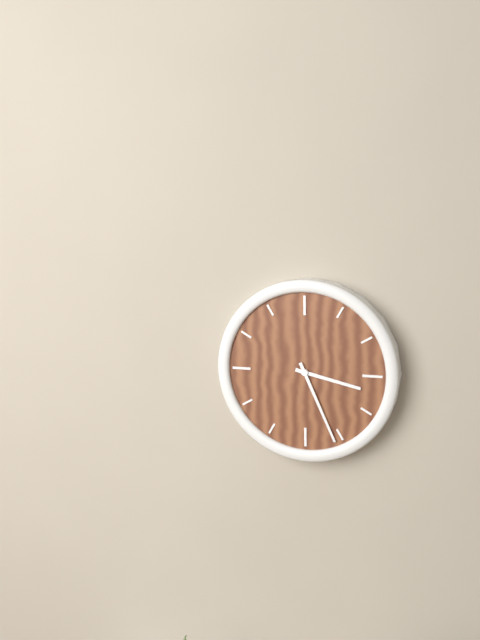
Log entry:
3h26
